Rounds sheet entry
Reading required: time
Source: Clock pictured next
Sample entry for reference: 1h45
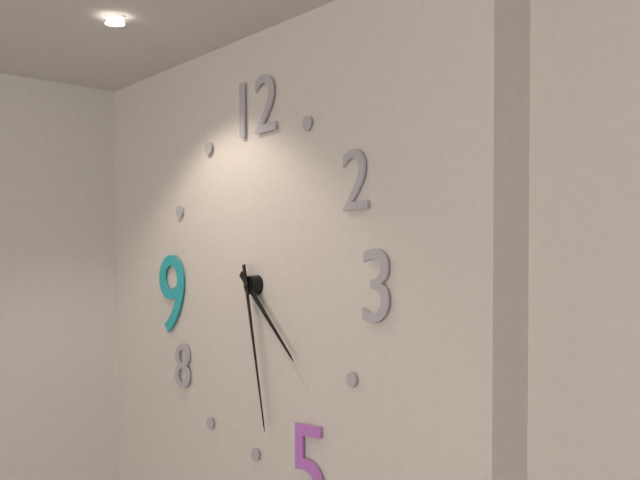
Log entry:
4h28
